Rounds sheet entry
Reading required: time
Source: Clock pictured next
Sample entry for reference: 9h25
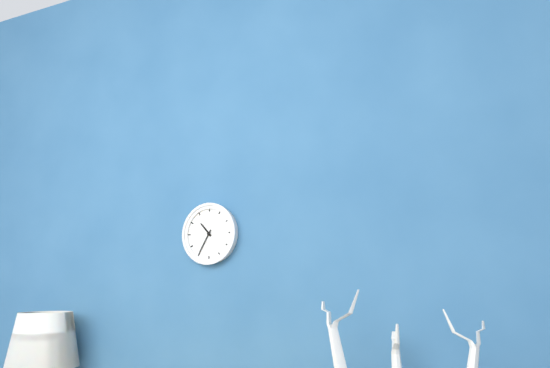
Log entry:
10h35
